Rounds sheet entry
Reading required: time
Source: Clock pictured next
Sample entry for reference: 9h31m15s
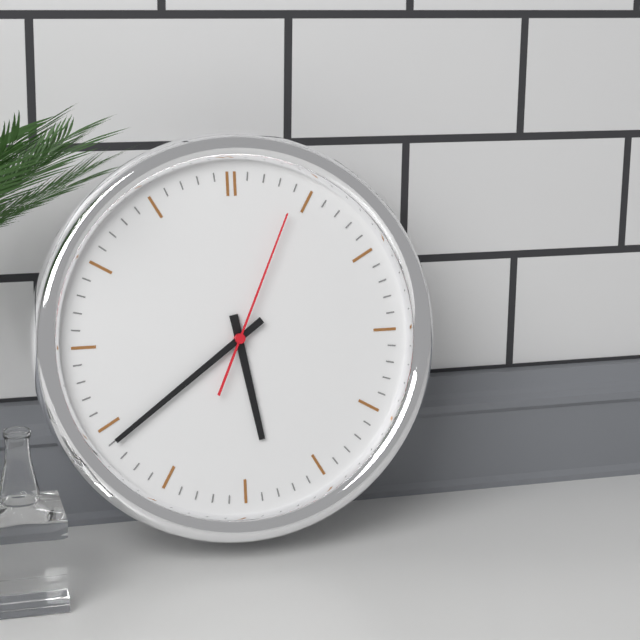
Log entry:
5h39m04s
